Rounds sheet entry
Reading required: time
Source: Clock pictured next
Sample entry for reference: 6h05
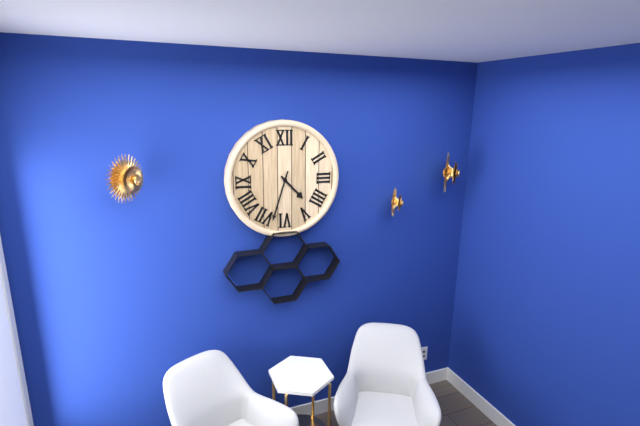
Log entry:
4h33
